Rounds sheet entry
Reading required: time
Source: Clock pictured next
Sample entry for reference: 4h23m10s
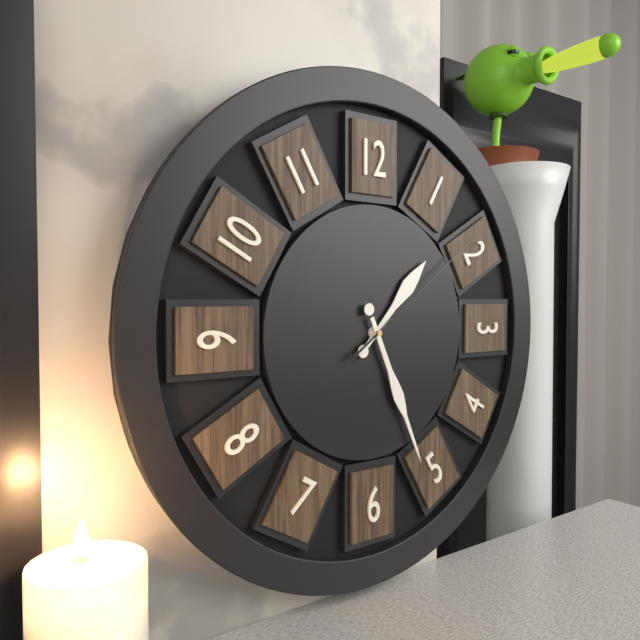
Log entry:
1h26m09s
